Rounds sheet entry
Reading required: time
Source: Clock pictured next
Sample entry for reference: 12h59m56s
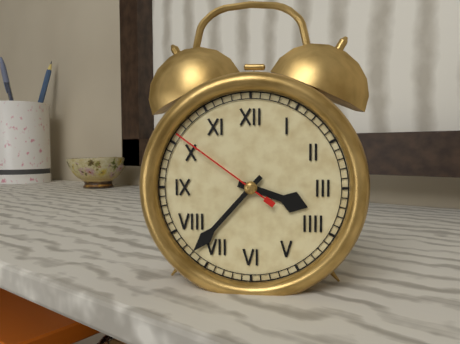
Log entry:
3h37m51s
